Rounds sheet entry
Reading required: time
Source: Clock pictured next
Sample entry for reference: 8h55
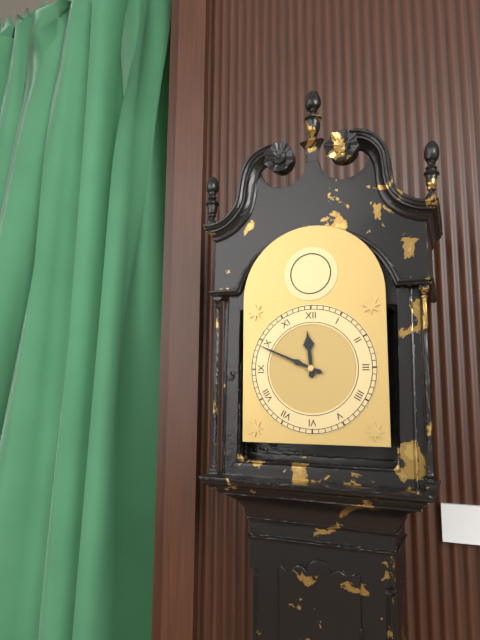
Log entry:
11h49
